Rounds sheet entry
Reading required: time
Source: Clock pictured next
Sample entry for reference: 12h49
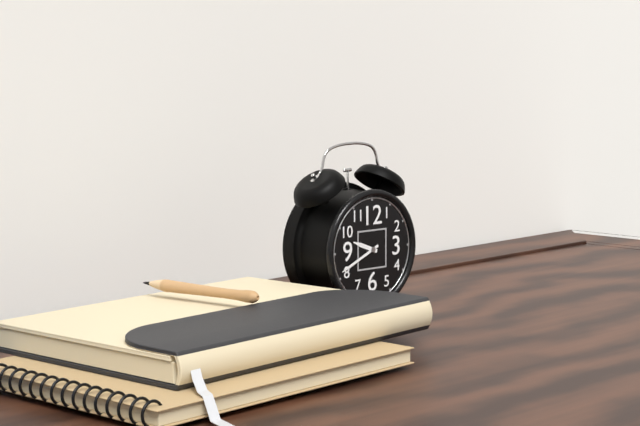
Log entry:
9h41
